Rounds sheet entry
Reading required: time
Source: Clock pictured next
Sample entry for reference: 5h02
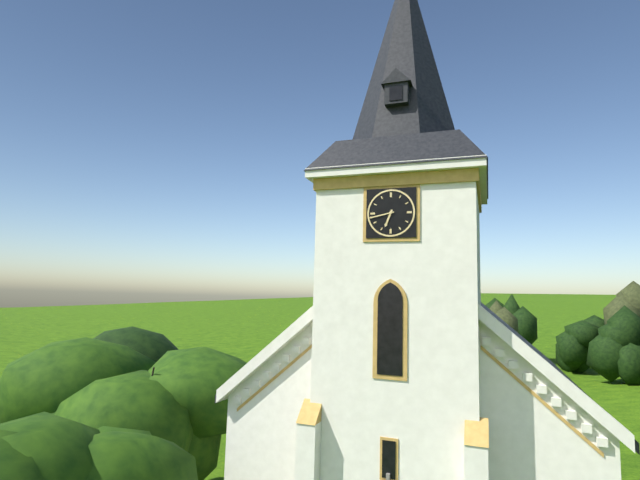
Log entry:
6h43
